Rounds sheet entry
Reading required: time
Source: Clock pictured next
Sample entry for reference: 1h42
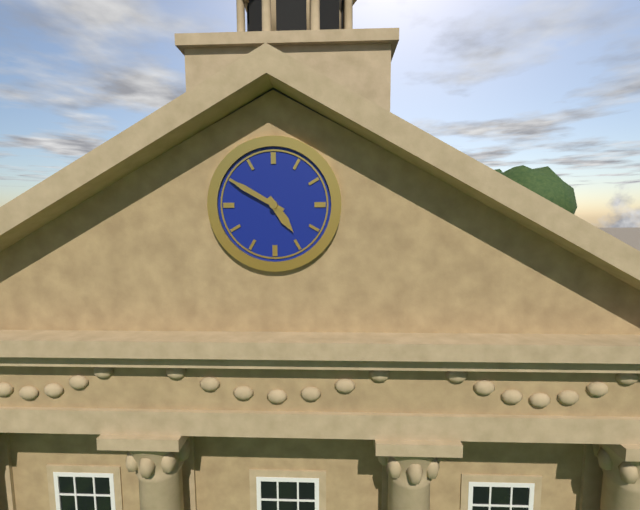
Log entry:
4h50
